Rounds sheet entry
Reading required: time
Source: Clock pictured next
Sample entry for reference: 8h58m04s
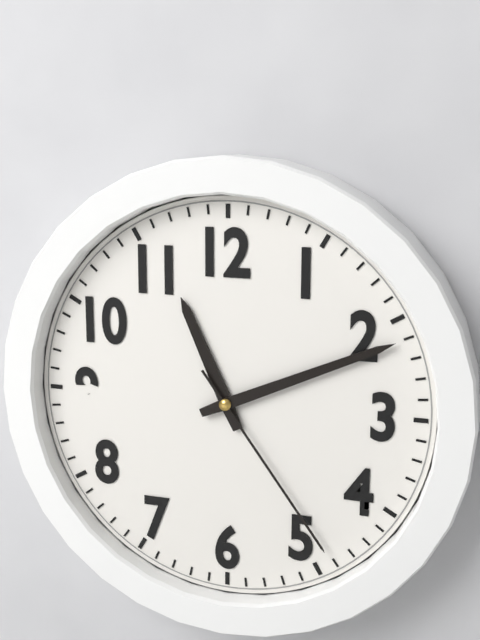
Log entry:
11h11m24s
